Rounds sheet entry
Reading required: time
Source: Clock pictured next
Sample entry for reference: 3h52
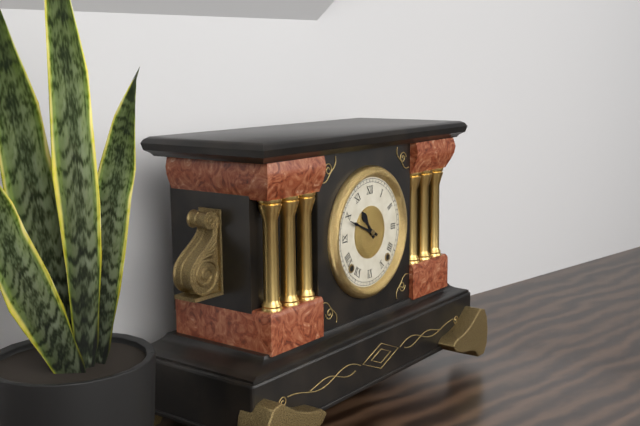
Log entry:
10h49
